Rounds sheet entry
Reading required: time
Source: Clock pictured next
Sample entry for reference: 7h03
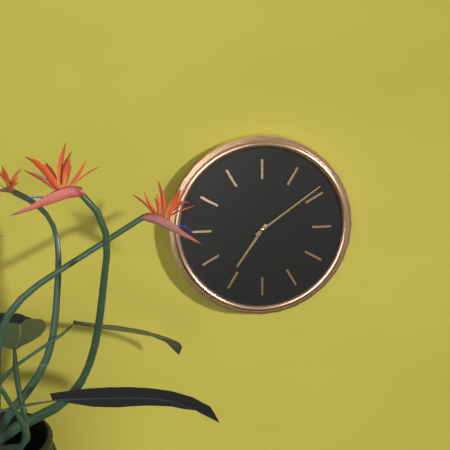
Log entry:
7h09
